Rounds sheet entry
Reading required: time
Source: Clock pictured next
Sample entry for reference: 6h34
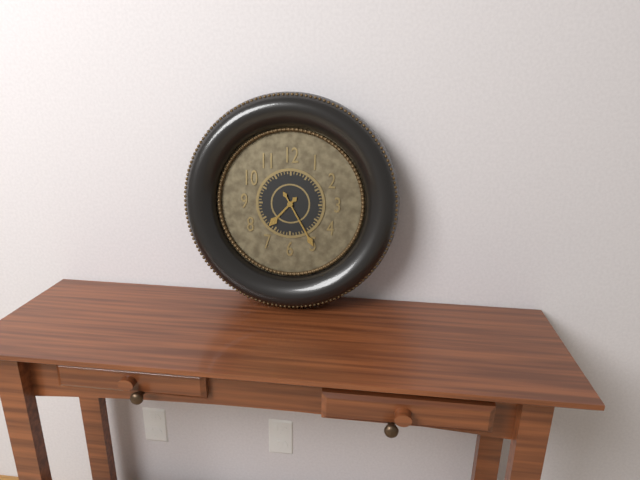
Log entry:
7h25
